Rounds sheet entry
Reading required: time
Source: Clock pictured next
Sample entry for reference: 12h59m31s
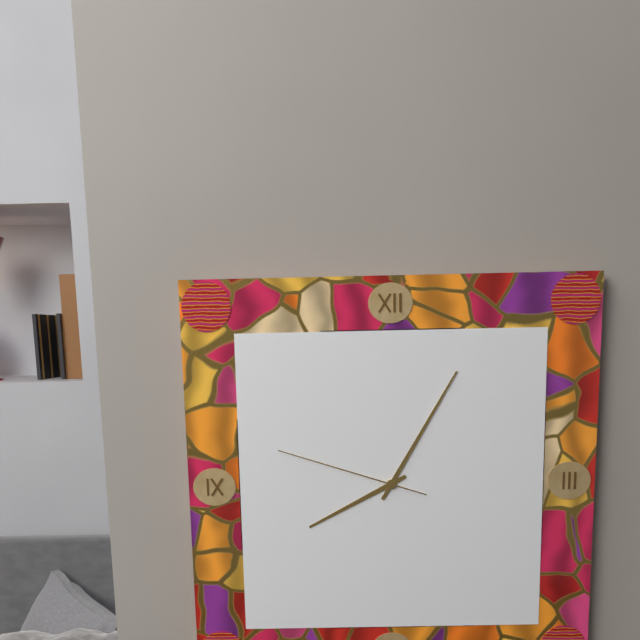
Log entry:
8h05m48s
